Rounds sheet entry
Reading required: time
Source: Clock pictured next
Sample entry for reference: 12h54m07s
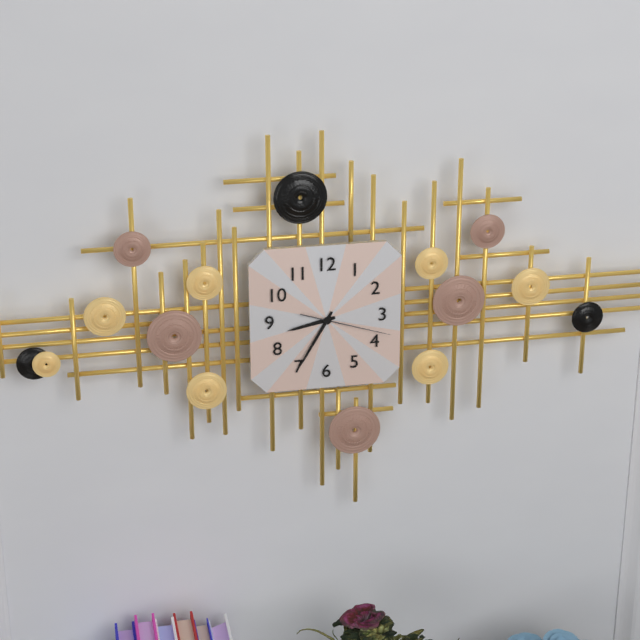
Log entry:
8h35m18s
